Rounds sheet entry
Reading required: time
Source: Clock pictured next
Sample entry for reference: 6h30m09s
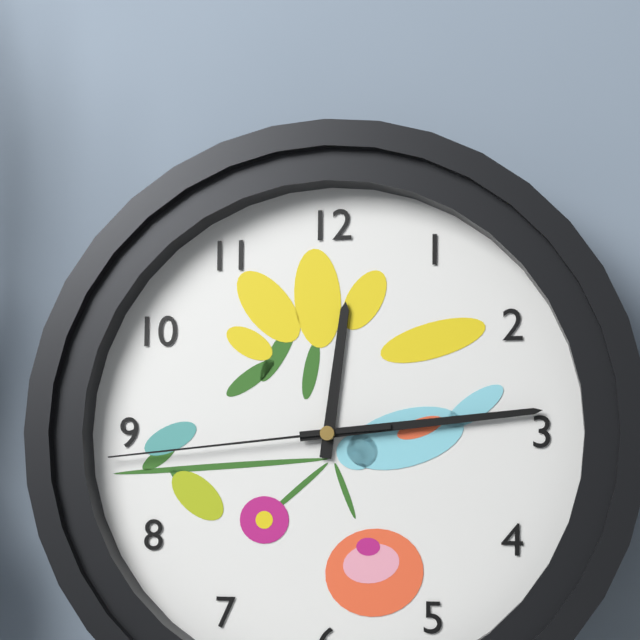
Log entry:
12h14m44s
